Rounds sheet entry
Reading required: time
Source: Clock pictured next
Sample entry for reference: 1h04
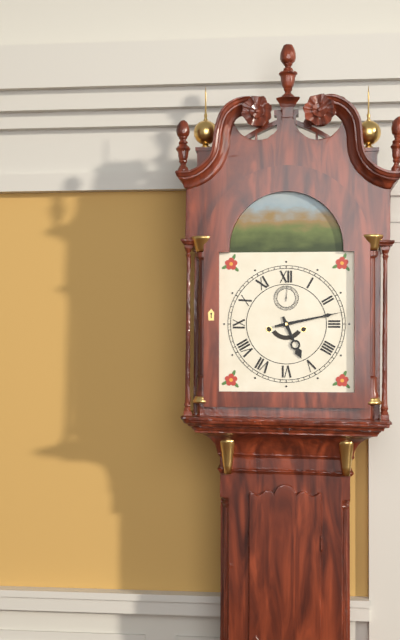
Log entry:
5h13
